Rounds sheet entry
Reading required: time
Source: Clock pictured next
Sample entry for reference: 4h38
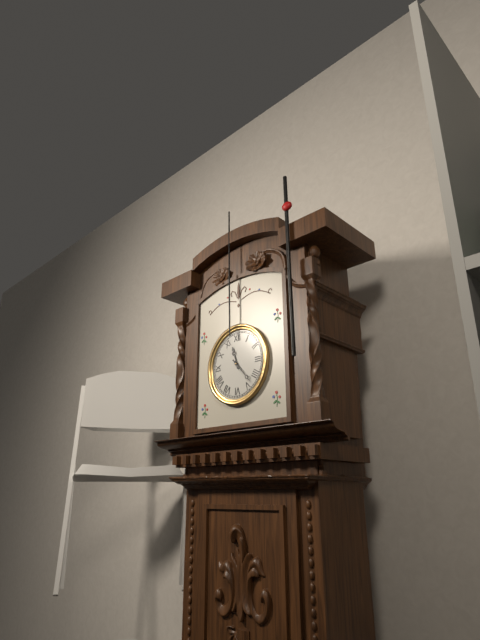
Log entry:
11h23
